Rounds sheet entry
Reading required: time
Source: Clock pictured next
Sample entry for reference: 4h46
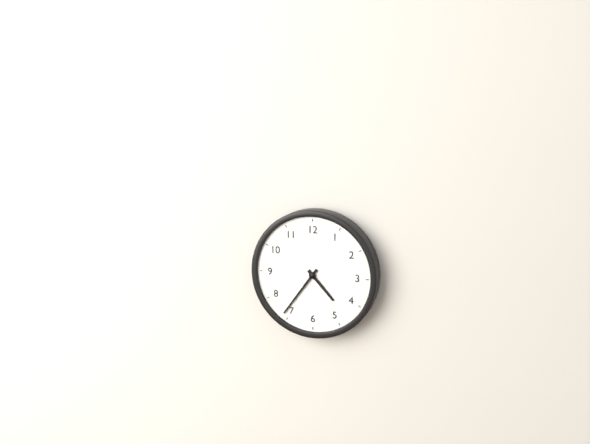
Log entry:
4h36
